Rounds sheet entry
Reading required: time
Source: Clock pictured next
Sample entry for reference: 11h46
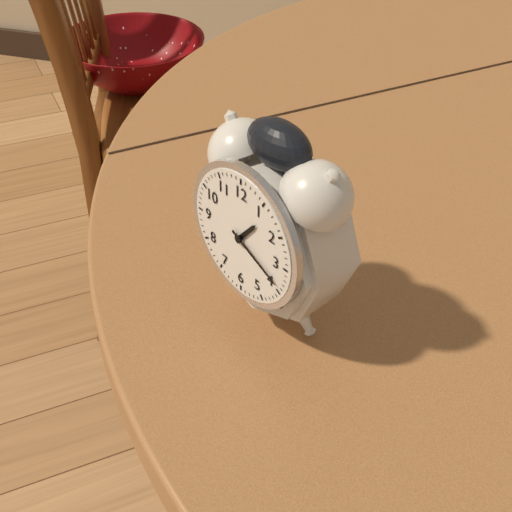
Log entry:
1h19
